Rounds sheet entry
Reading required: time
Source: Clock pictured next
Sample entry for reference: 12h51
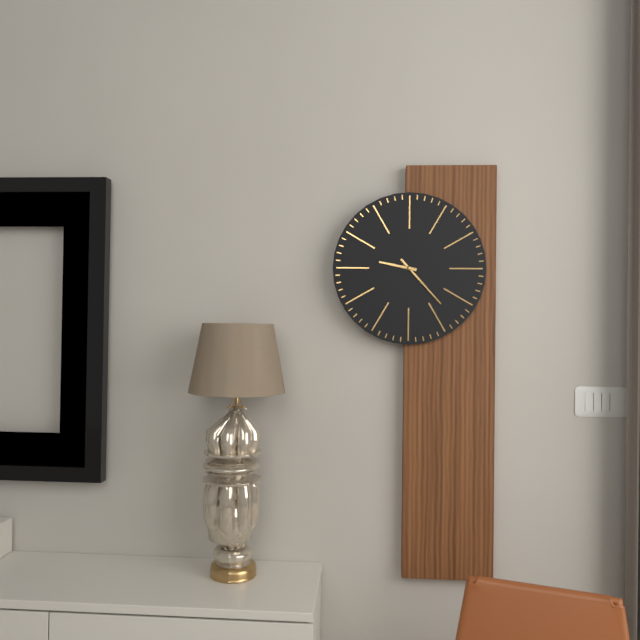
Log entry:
9h23
